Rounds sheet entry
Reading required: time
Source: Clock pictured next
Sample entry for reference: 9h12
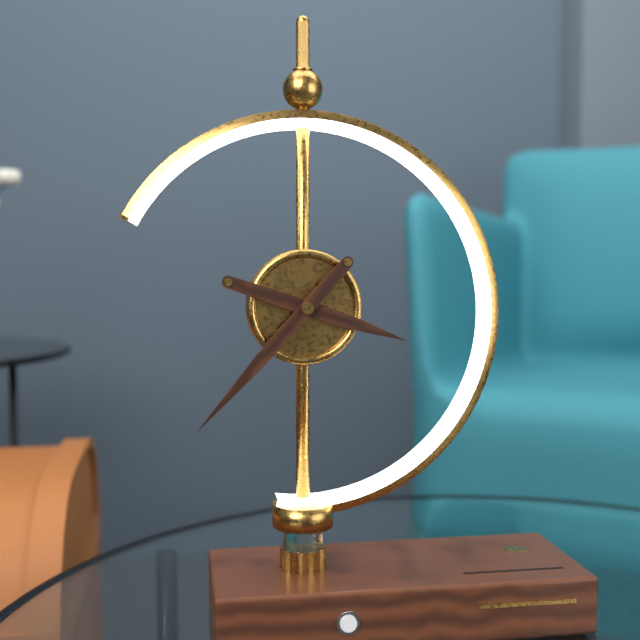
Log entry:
3h37
